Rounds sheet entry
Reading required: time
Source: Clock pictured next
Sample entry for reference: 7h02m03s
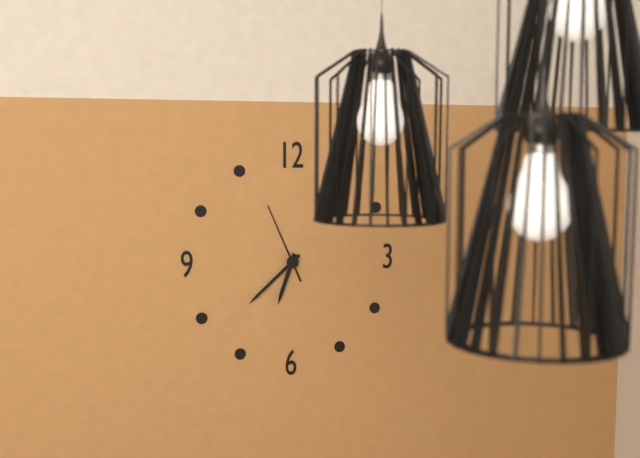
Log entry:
6h38m56s
